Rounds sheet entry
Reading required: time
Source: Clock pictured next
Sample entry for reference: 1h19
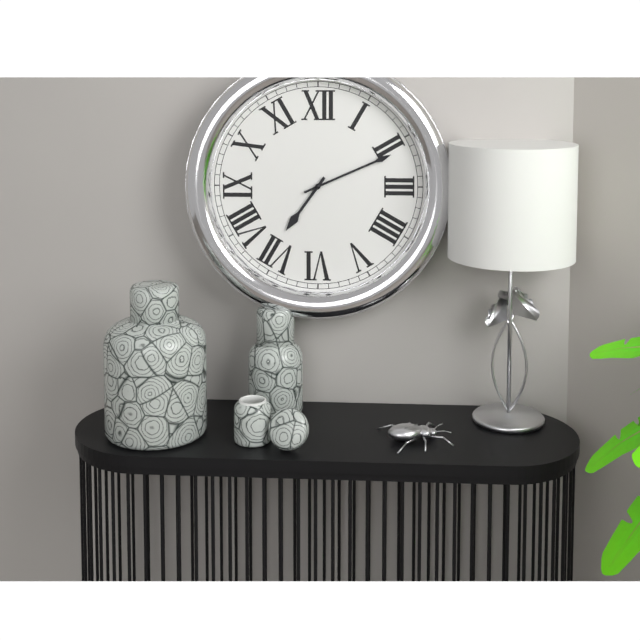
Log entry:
7h11
